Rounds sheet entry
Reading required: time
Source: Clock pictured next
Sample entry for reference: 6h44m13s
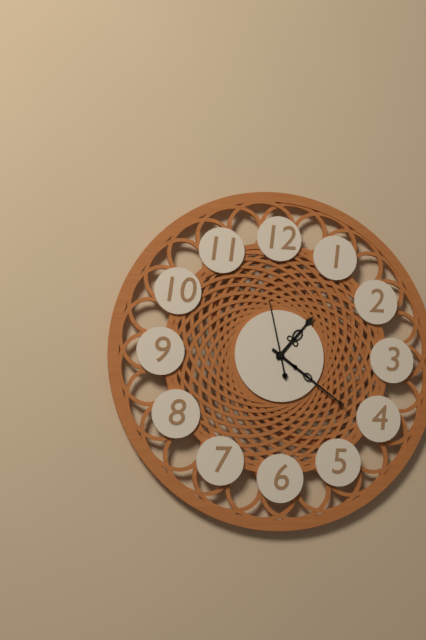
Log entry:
1h21m58s
